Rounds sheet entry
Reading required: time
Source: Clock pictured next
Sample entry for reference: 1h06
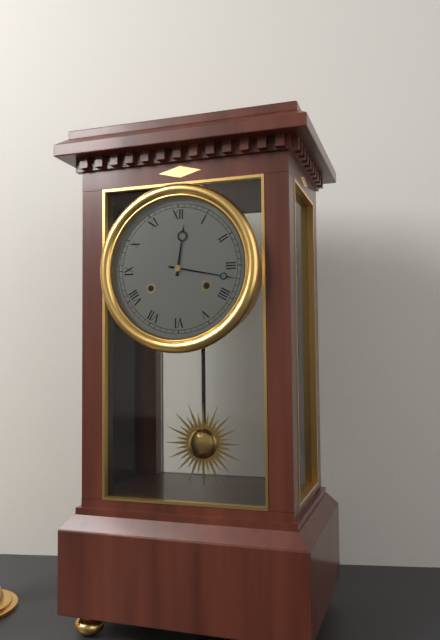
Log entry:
12h17
